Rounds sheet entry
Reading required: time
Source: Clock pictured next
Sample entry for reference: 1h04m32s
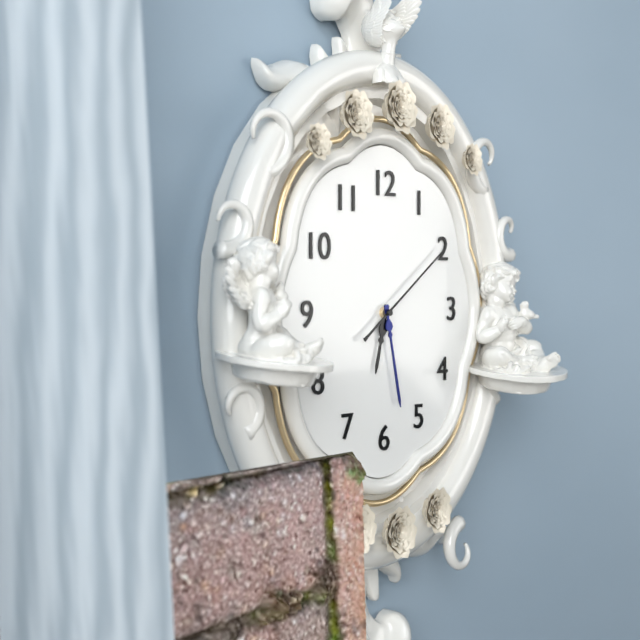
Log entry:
6h28m09s
